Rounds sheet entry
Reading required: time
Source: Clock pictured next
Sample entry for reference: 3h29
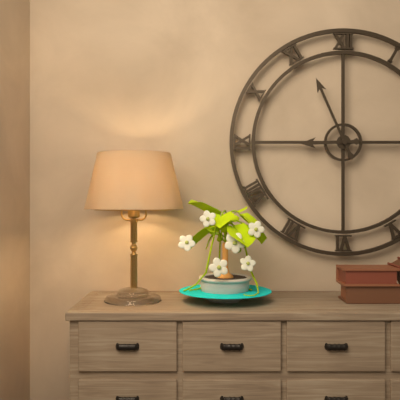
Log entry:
8h56
